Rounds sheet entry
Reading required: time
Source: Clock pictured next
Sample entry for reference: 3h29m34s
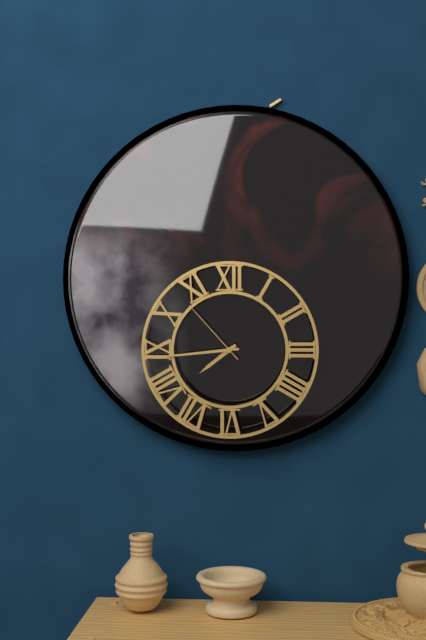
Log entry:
7h44m53s
